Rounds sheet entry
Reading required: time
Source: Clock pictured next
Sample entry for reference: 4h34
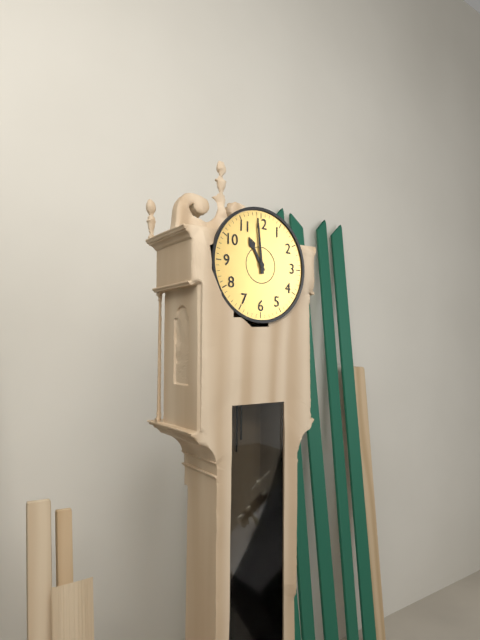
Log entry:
10h59
